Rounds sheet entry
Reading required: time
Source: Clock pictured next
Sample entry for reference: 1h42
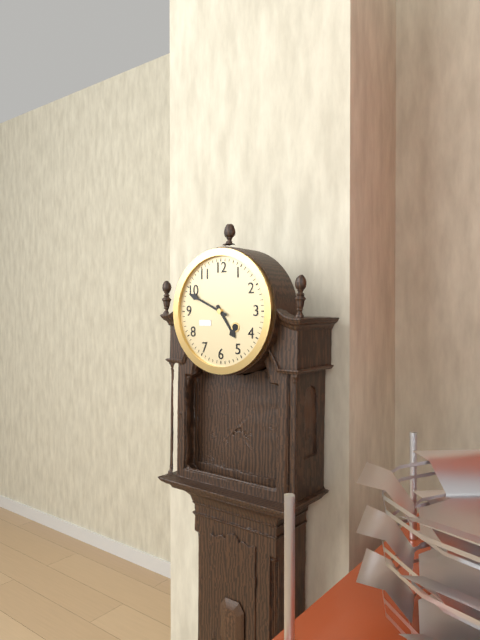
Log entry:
4h49
